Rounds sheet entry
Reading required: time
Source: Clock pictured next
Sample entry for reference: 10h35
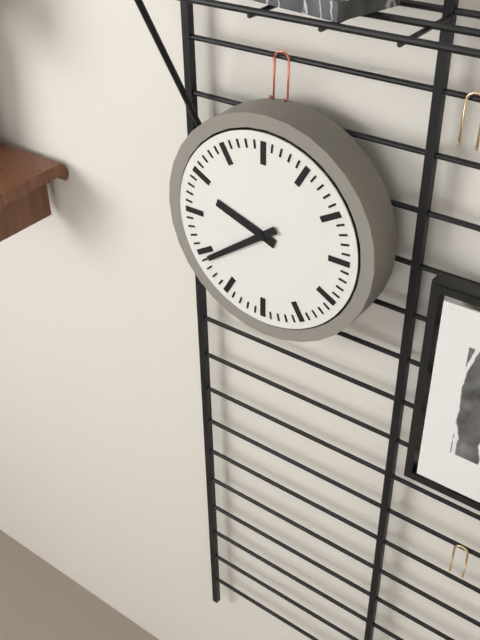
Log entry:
9h39
